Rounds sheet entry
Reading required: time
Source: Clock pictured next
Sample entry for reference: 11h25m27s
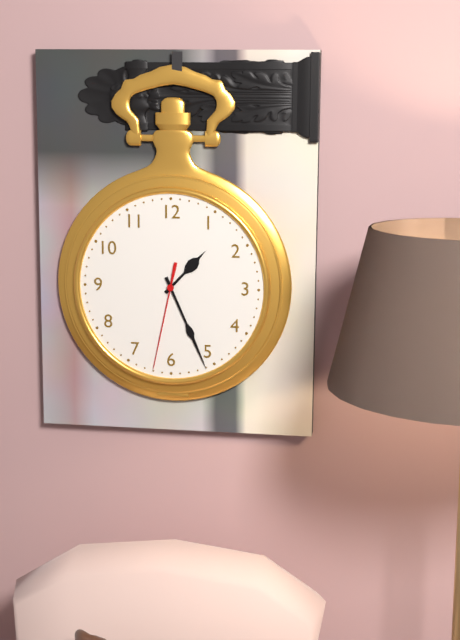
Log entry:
1h26m32s
